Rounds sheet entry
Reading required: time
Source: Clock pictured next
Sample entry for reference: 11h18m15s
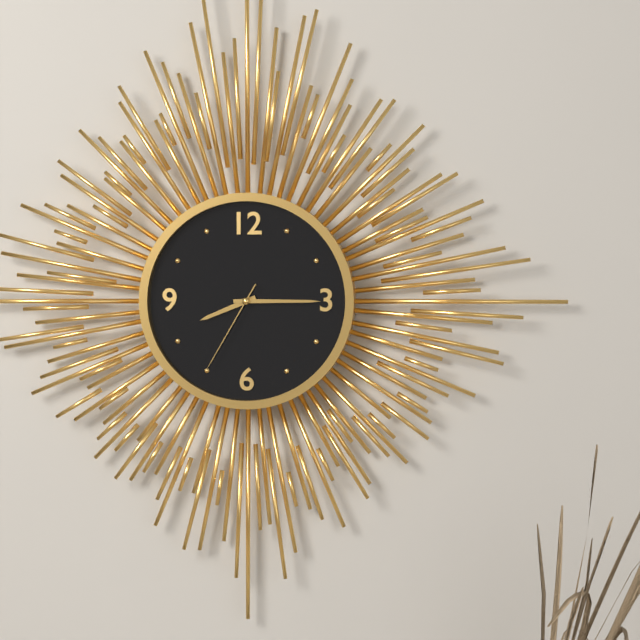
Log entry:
8h15m35s
